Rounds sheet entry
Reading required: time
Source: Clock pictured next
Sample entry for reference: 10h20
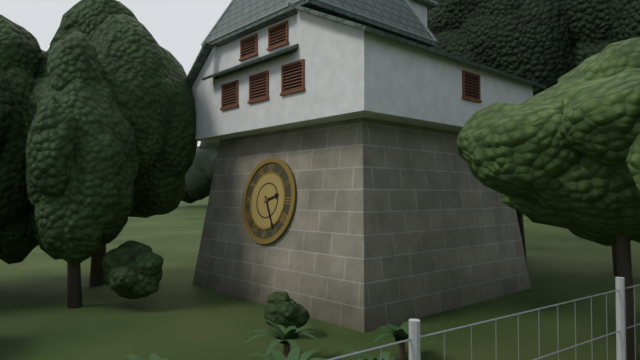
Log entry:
2h25
